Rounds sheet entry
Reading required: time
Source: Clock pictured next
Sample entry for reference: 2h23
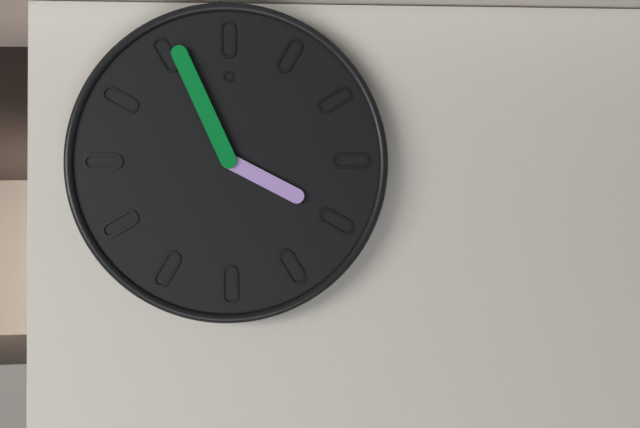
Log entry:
3h56
